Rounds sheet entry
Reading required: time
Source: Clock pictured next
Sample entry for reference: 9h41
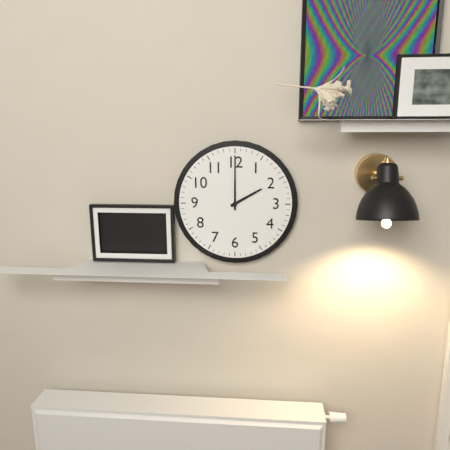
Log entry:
2h00
